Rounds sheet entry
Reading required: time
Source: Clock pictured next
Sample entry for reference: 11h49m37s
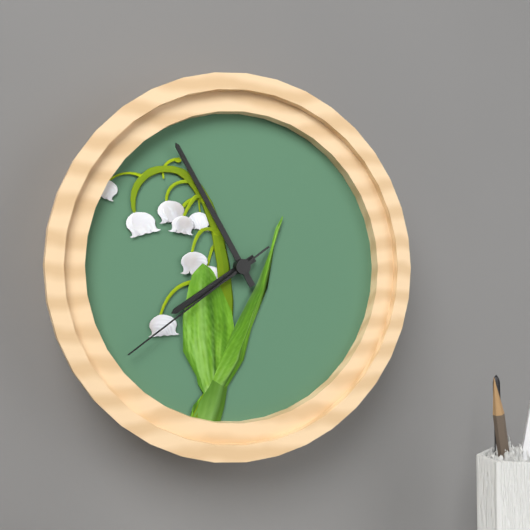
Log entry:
7h55m39s
